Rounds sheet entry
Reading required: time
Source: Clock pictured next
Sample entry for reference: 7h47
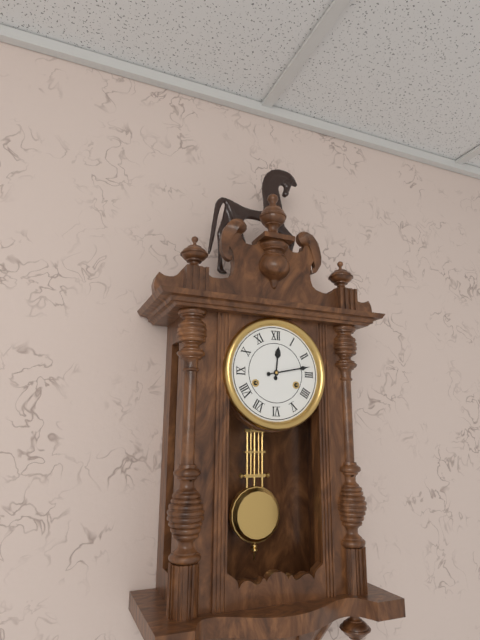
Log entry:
12h13
